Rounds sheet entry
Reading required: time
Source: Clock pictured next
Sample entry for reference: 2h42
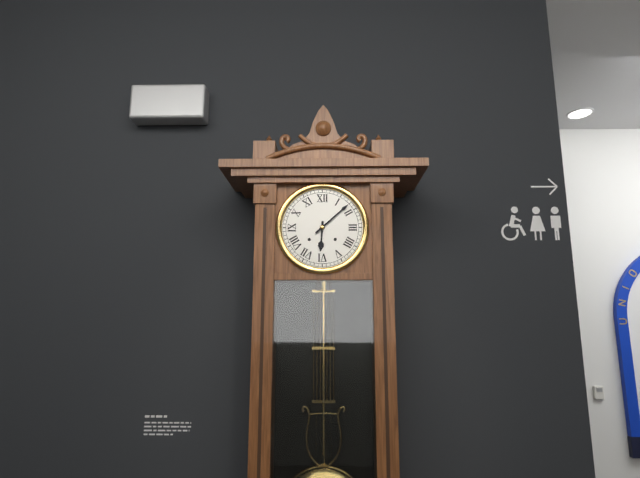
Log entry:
6h08
